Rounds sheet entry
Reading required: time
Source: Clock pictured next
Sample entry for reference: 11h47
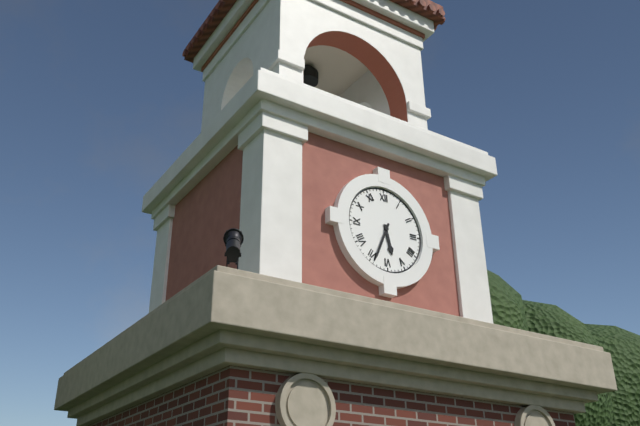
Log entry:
5h34
